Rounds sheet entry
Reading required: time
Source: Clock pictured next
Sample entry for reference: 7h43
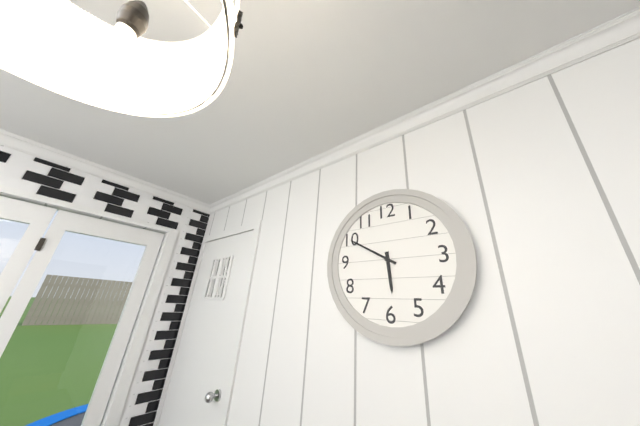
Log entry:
5h50
